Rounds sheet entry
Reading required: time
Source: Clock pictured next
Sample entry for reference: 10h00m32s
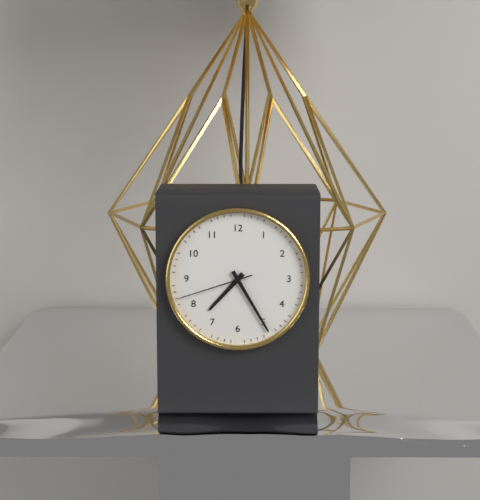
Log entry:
7h25m42s
